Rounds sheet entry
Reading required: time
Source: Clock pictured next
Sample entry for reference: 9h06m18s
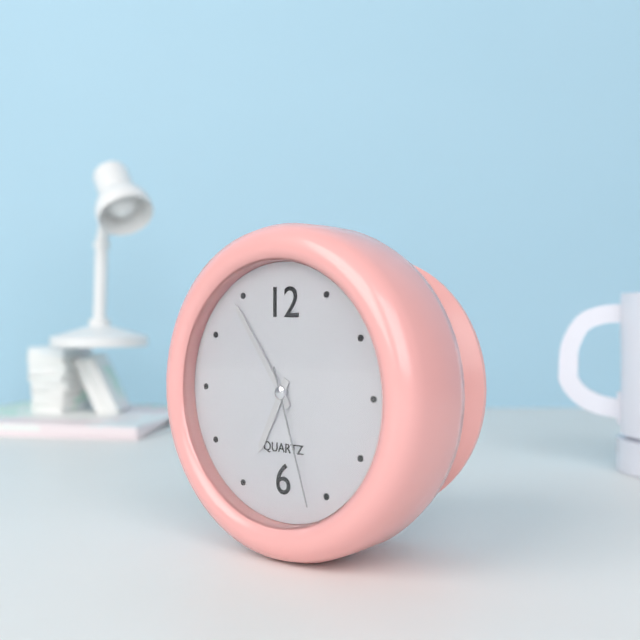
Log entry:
6h54m27s
